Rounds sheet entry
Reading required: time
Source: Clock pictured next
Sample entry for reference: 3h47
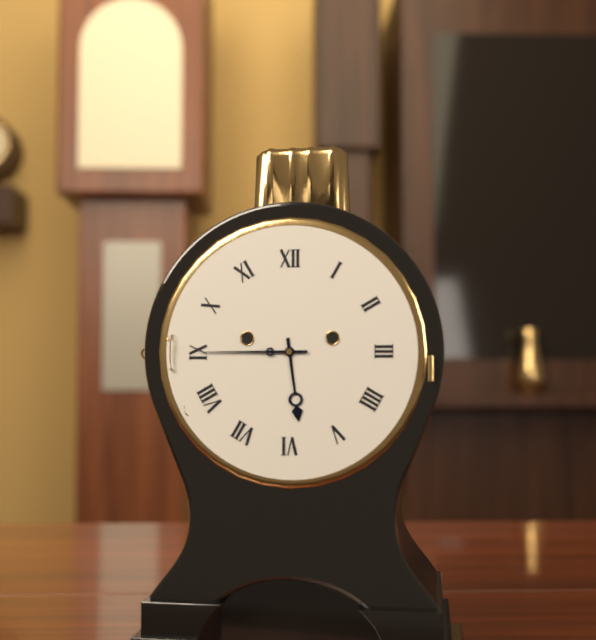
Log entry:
5h45
